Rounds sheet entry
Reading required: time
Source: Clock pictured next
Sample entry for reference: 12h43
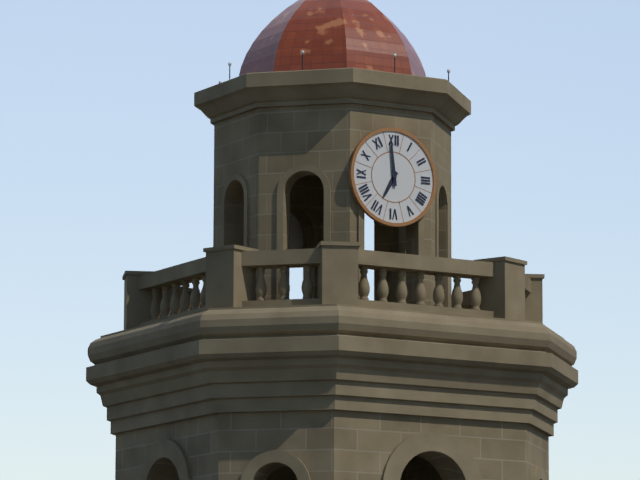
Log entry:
6h59
